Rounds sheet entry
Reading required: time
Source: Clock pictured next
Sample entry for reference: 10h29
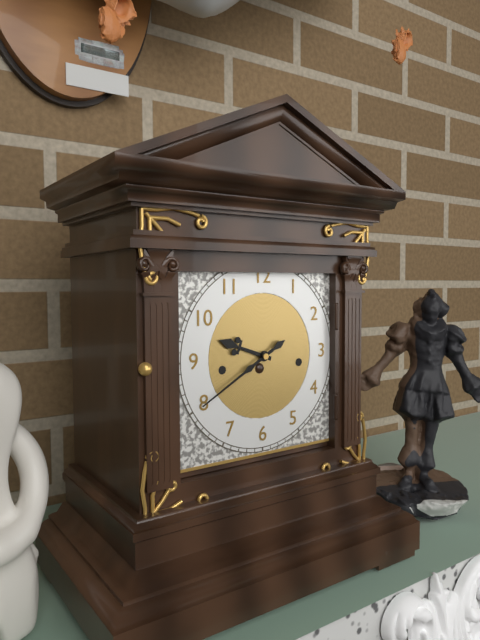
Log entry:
9h40
